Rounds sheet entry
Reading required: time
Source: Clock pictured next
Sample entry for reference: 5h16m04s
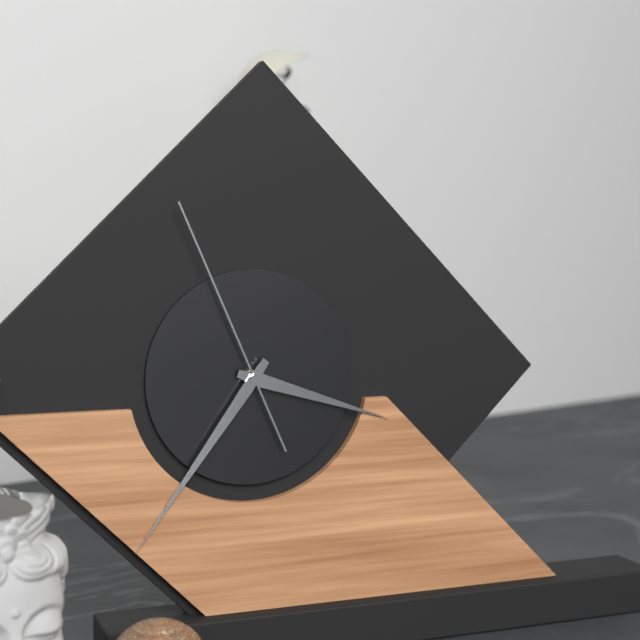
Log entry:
3h36m56s
